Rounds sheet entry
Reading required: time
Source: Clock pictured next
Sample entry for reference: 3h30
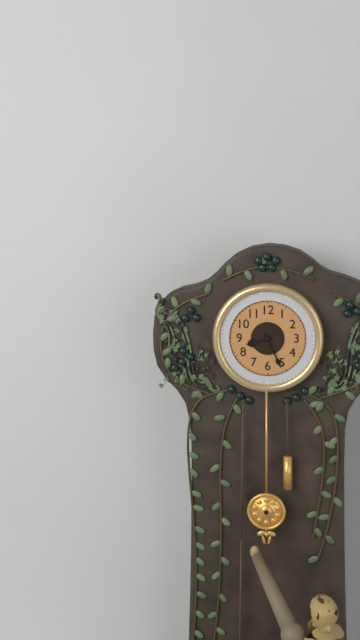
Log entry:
8h26
